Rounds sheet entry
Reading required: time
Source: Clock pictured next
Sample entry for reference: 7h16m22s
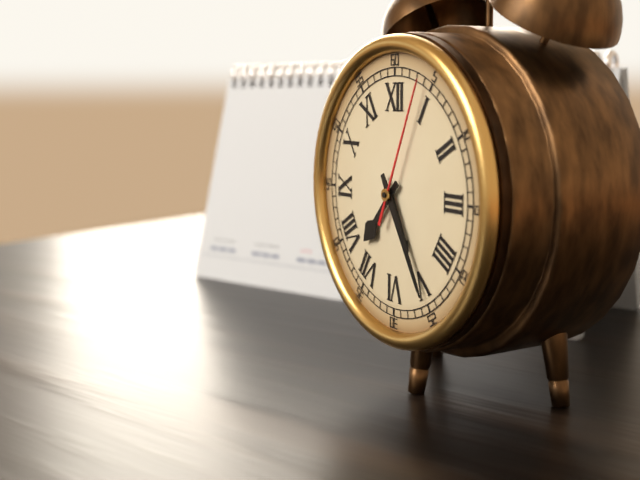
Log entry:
7h25m04s
